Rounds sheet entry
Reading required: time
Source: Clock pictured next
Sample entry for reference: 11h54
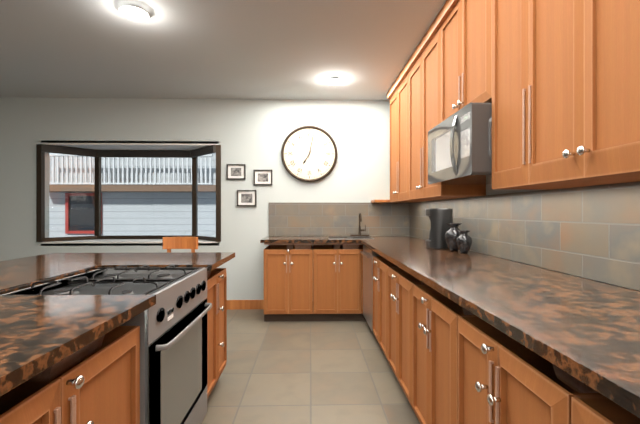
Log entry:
7h02
